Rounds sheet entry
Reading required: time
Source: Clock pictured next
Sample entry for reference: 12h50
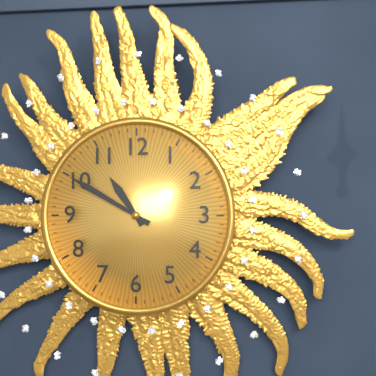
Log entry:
10h50
